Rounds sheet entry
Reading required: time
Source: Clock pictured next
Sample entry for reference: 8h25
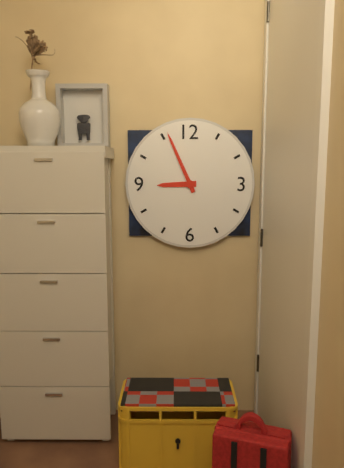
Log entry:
8h56
